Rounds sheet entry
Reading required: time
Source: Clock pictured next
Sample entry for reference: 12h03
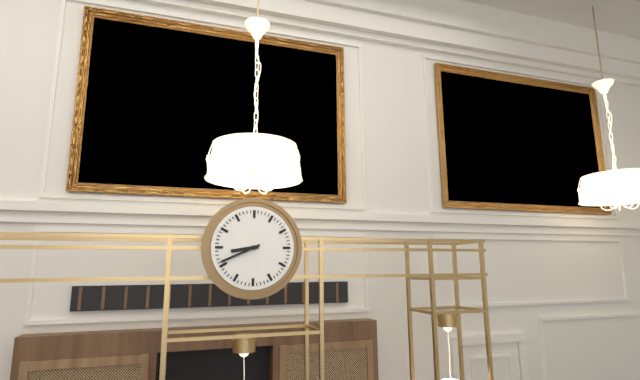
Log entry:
8h41
